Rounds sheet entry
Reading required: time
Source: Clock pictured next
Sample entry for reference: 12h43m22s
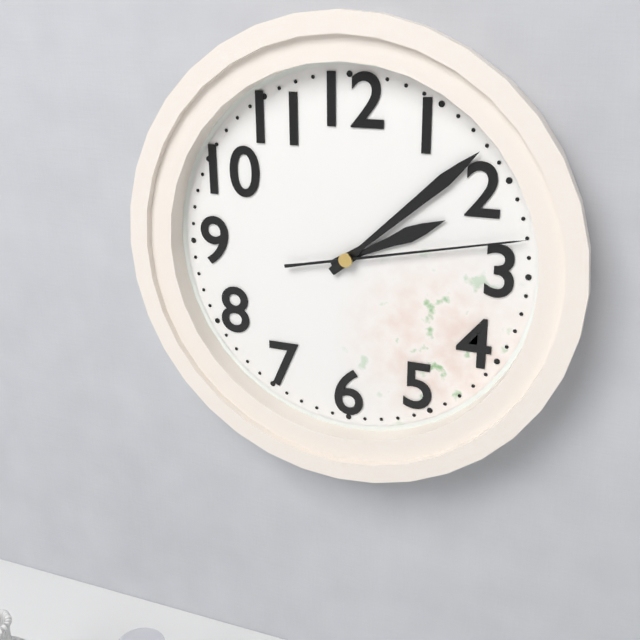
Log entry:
2h08m13s
